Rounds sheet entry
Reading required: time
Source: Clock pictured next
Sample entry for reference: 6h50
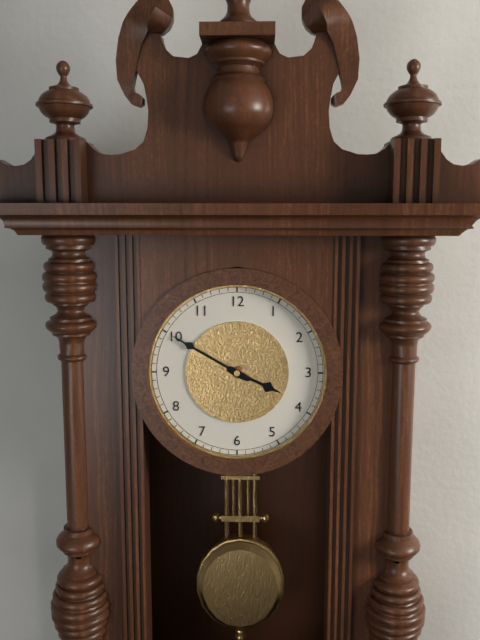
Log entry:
3h50
